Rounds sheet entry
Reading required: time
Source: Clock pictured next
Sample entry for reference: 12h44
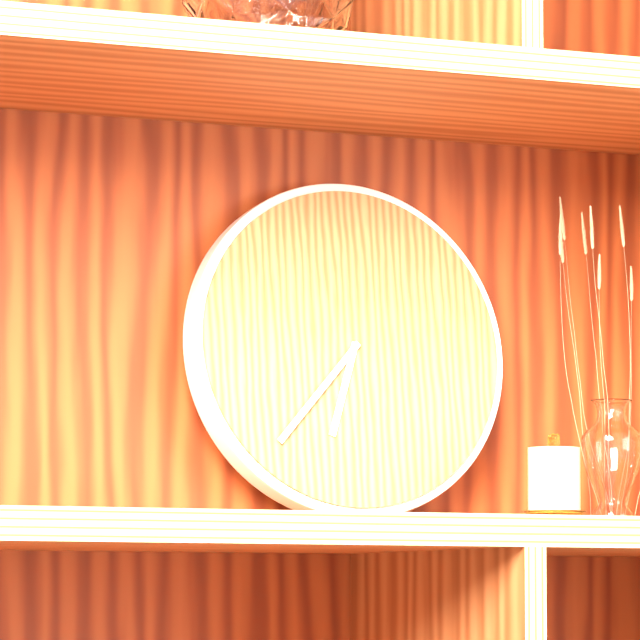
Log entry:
6h37
